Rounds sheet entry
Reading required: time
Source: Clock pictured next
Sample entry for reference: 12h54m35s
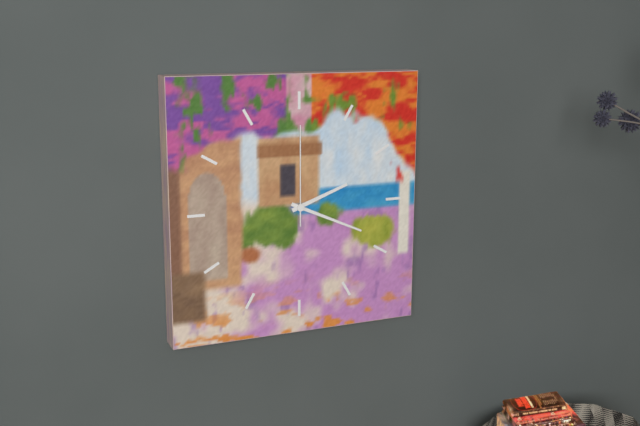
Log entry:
2h19m00s
